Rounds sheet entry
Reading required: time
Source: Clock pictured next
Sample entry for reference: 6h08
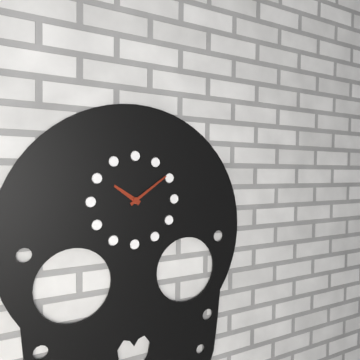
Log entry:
10h09
